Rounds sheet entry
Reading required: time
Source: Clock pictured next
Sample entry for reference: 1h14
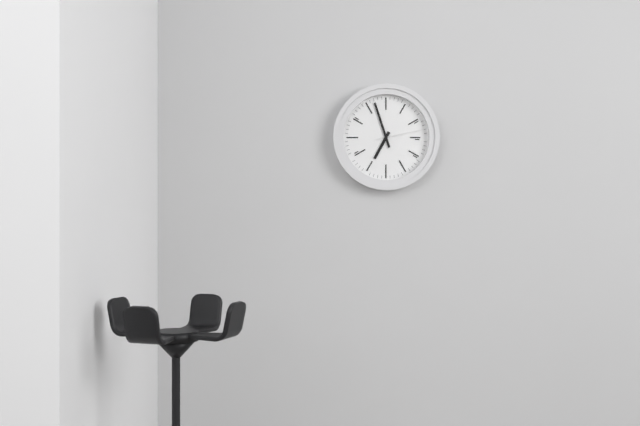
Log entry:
6h57
